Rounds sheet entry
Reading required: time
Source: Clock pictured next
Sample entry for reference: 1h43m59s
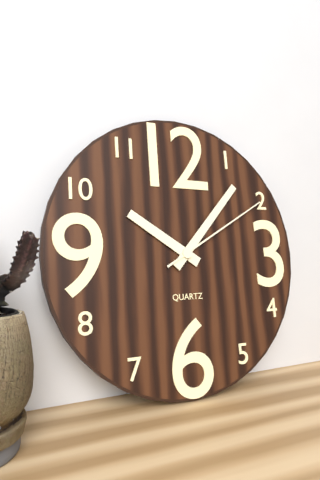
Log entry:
10h07m10s
